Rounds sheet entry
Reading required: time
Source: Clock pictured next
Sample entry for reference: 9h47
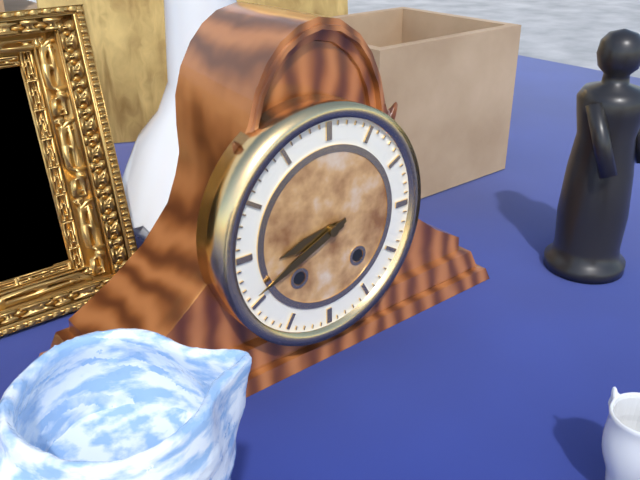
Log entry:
8h41
